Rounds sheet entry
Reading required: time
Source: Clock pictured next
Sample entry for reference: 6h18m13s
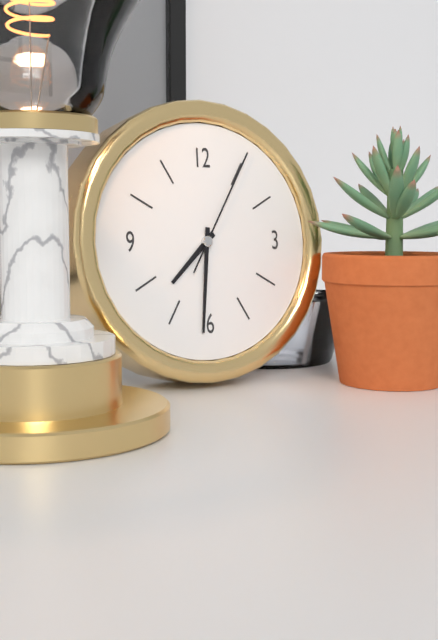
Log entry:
7h31m05s
